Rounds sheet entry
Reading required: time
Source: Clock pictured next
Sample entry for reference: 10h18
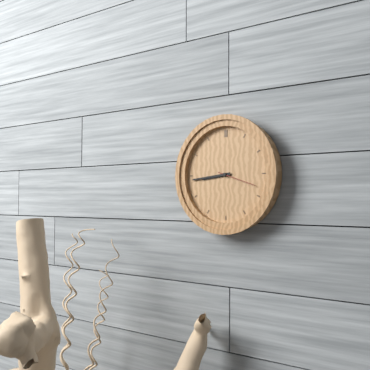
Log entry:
8h44
